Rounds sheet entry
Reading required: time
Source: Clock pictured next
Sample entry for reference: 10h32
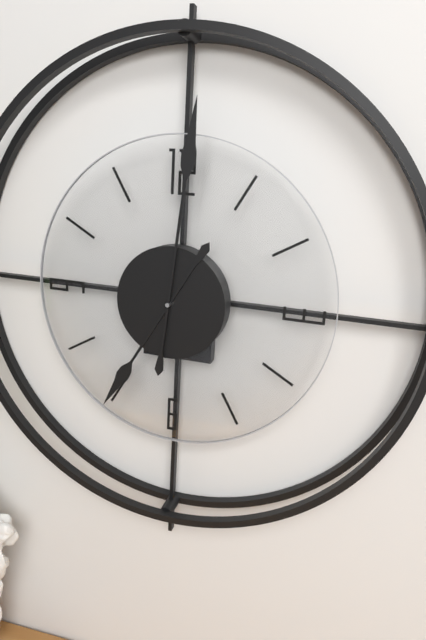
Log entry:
7h01
